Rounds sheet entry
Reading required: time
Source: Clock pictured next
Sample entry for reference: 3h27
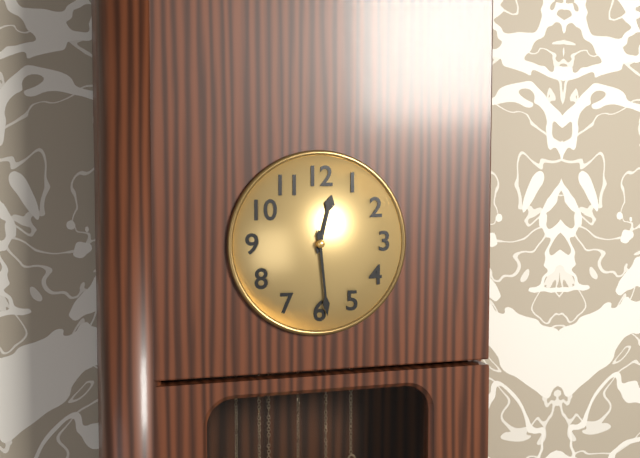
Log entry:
12h29
